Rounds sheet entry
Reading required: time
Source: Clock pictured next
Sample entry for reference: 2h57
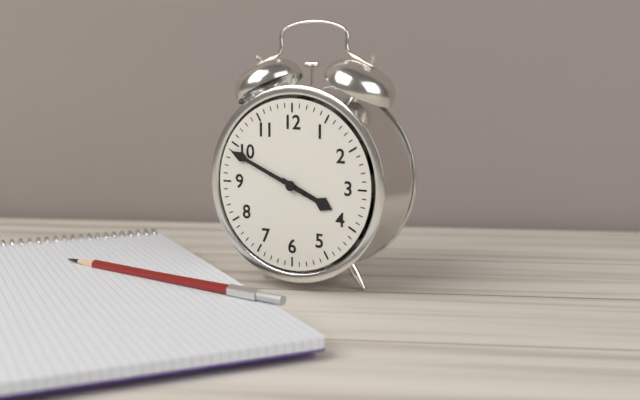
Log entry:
3h49
